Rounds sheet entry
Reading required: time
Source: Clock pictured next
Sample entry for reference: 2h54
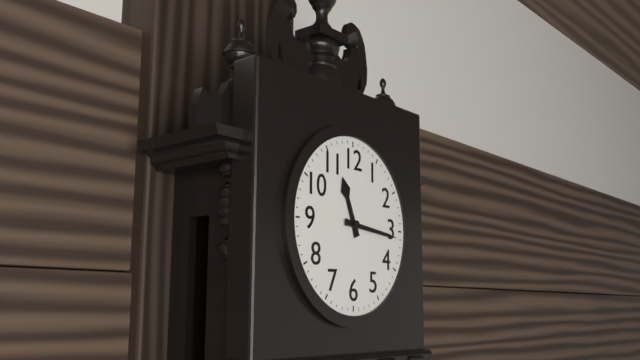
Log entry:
11h16
